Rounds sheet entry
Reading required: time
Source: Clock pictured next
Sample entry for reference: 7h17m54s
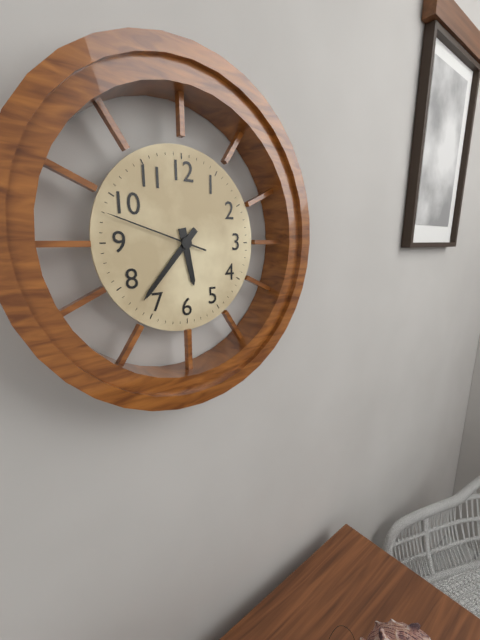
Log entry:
5h37m48s
